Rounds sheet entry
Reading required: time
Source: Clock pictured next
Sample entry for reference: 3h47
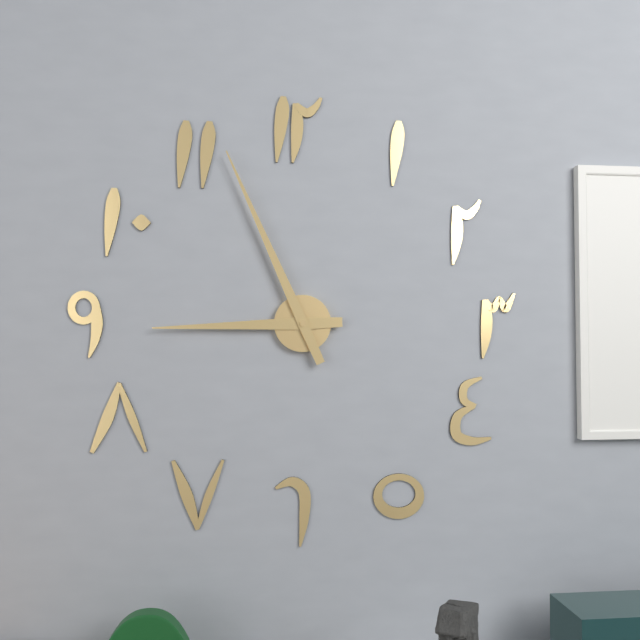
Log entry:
8h56
